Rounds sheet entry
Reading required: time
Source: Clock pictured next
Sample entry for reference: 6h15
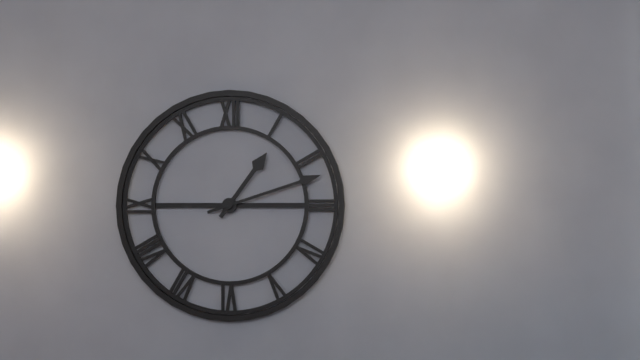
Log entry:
1h12
